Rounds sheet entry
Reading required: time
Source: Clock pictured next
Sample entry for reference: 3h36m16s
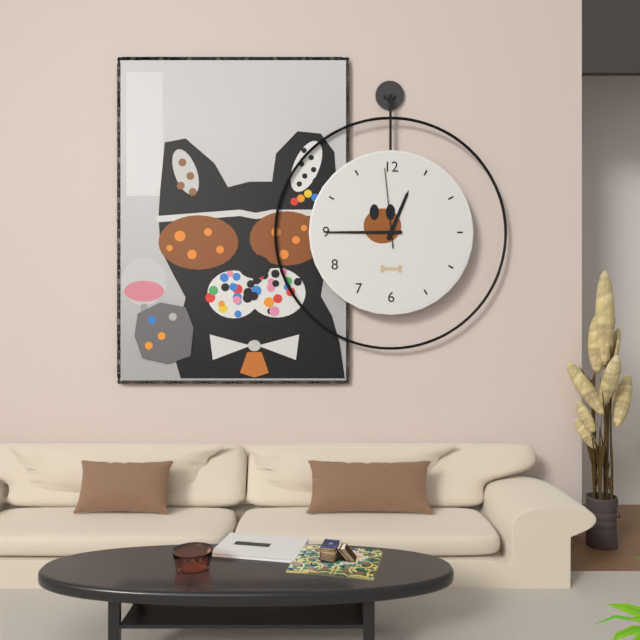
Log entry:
12h45m59s
